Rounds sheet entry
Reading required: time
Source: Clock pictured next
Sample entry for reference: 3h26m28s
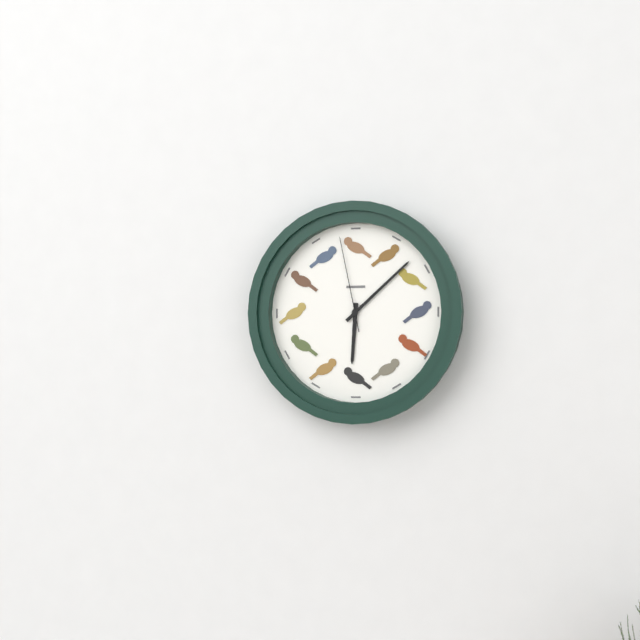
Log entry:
6h08m58s
